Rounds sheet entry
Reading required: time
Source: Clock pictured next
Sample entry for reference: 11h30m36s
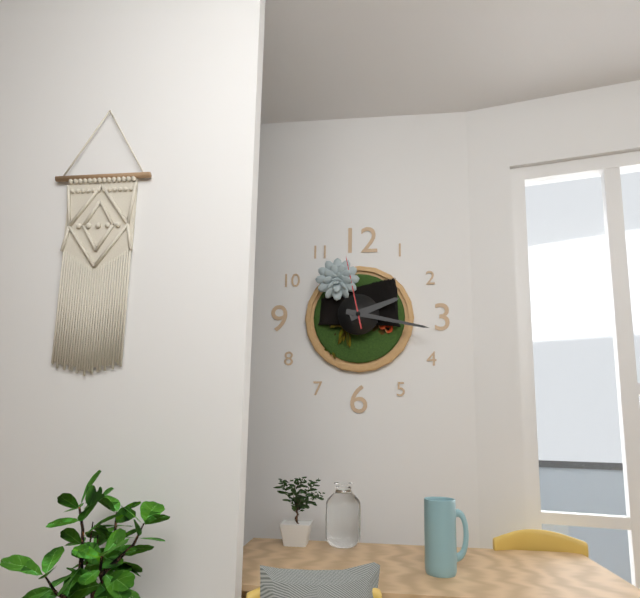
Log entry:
2h17m58s
